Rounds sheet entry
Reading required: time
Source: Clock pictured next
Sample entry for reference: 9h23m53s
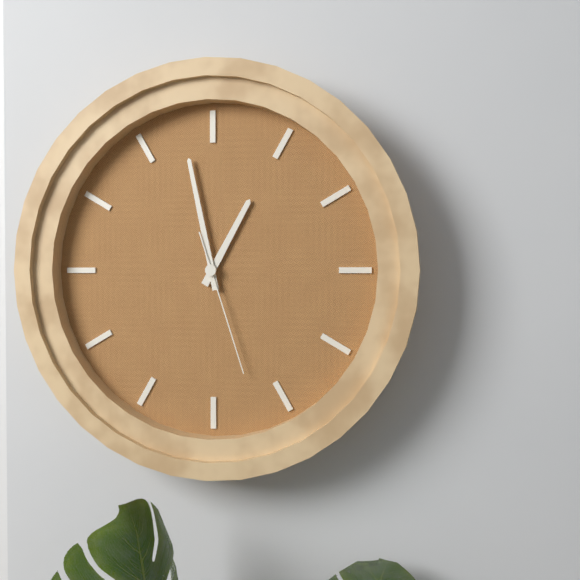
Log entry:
12h58m27s
